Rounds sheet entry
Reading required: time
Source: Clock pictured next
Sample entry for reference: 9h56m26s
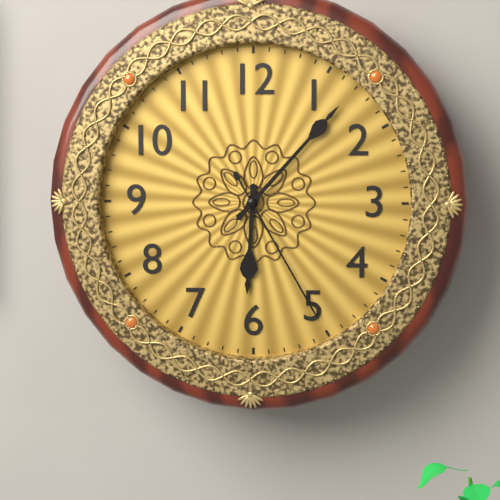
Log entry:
6h07m25s
